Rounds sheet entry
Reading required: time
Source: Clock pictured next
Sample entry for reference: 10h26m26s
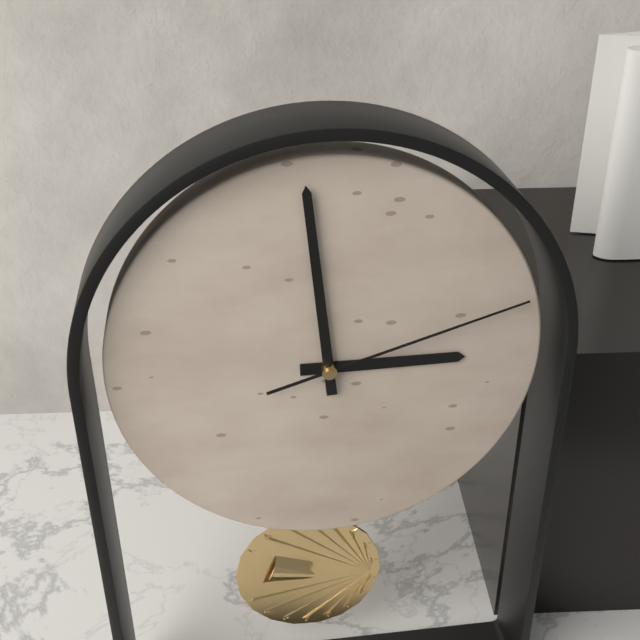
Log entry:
2h59m12s
